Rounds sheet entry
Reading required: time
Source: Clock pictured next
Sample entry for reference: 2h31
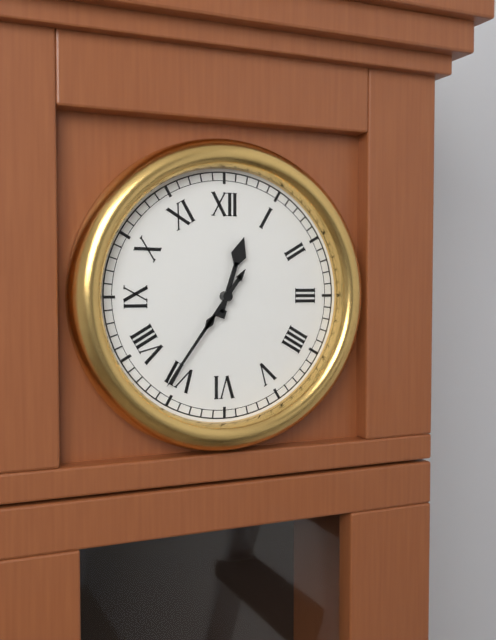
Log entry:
12h36
